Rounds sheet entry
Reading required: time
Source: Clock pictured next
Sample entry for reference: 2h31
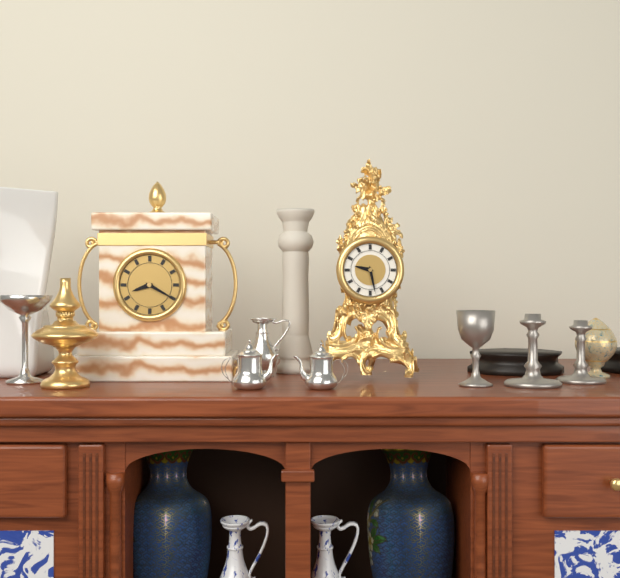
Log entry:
9h28
